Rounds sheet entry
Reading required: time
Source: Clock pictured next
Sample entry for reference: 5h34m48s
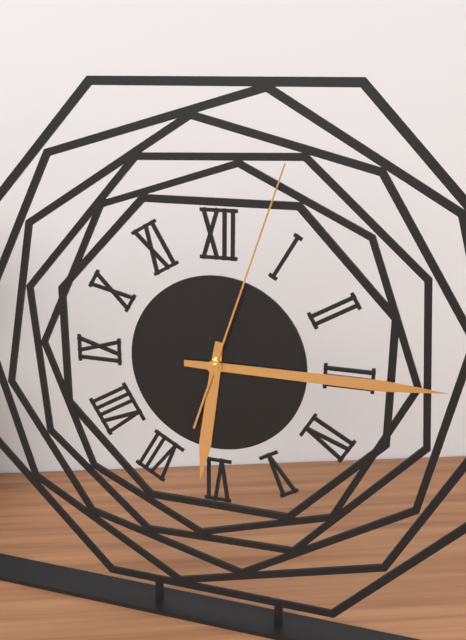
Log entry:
6h15m03s
